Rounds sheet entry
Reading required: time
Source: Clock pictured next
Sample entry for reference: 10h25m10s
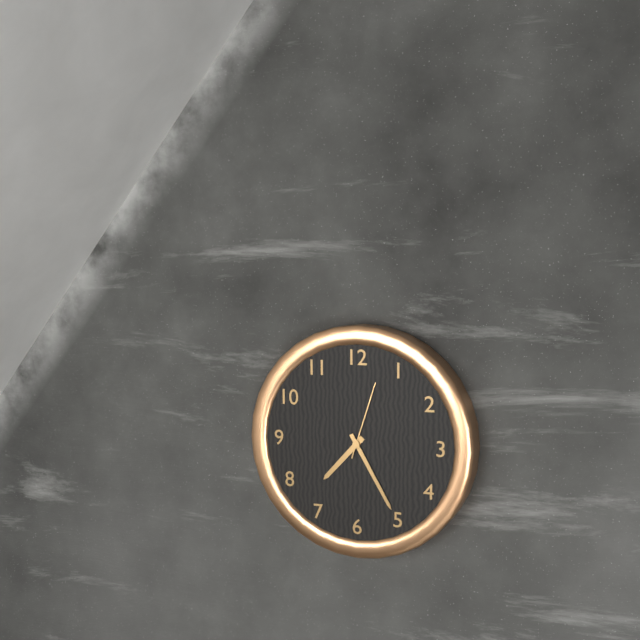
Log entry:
7h25m03s
